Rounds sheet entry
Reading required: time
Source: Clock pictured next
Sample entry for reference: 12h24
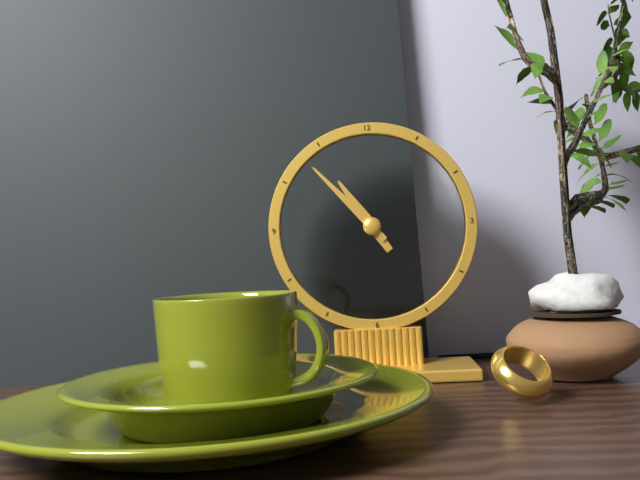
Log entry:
10h53
